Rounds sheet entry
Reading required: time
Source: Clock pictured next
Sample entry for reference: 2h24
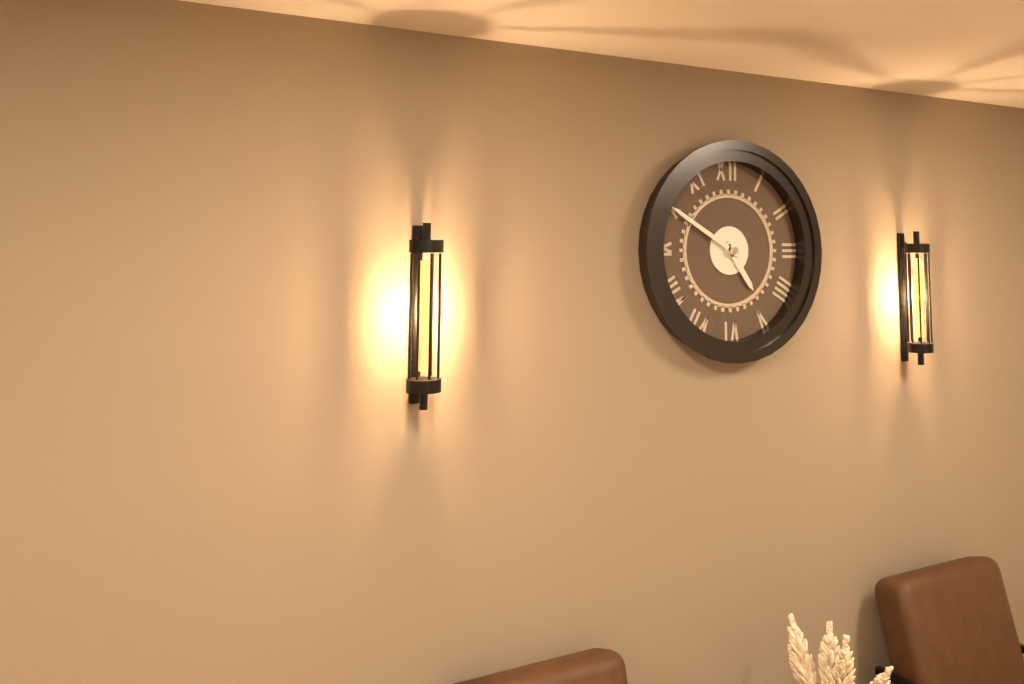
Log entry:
4h50
